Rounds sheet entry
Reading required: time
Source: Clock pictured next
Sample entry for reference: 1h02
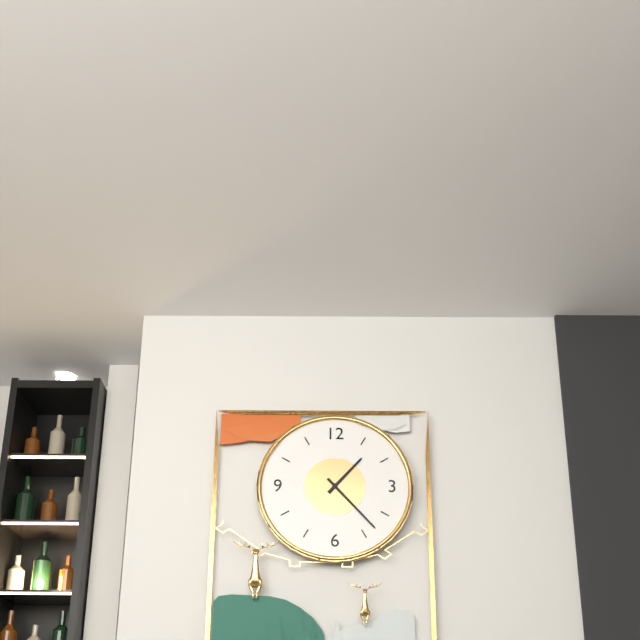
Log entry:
1h23
